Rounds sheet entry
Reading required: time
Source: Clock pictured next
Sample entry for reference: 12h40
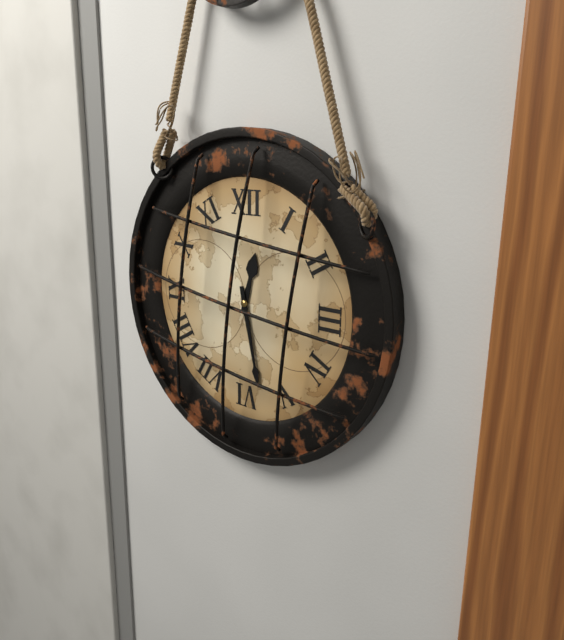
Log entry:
12h28
